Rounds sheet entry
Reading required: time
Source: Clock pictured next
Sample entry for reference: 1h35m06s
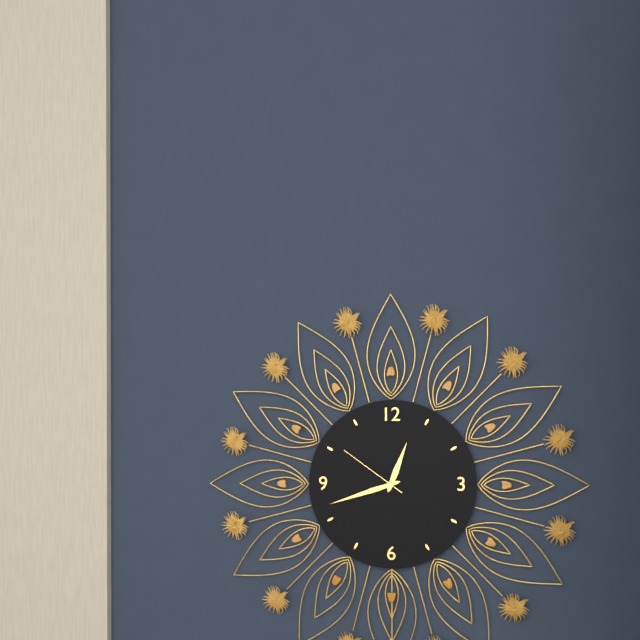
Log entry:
12h42m51s
